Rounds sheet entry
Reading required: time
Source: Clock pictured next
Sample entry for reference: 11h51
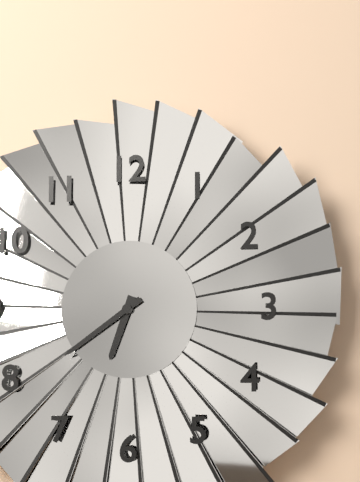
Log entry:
6h39
